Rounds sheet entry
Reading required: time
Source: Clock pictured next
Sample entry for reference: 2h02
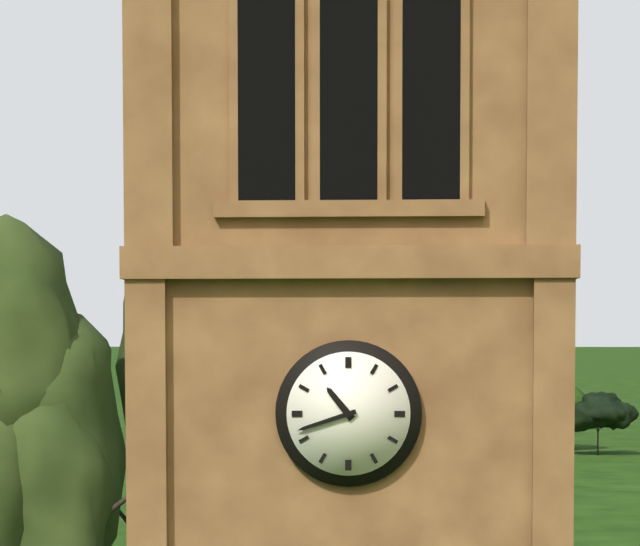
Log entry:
10h42
